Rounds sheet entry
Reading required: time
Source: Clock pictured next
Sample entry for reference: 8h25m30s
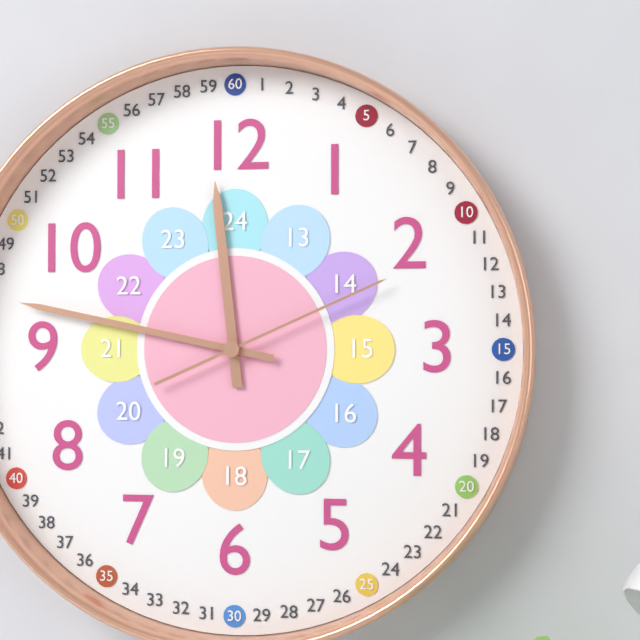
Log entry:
11h47m11s
